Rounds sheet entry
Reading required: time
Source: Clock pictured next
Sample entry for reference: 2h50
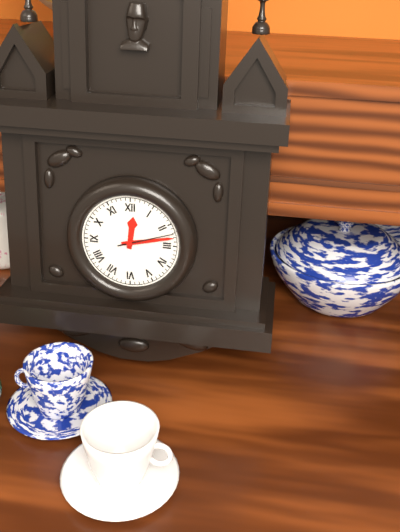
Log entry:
12h13
